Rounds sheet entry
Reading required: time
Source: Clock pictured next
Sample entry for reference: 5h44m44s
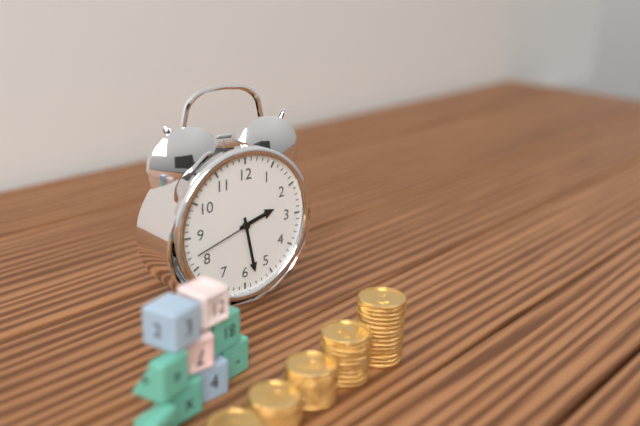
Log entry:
2h28m42s
